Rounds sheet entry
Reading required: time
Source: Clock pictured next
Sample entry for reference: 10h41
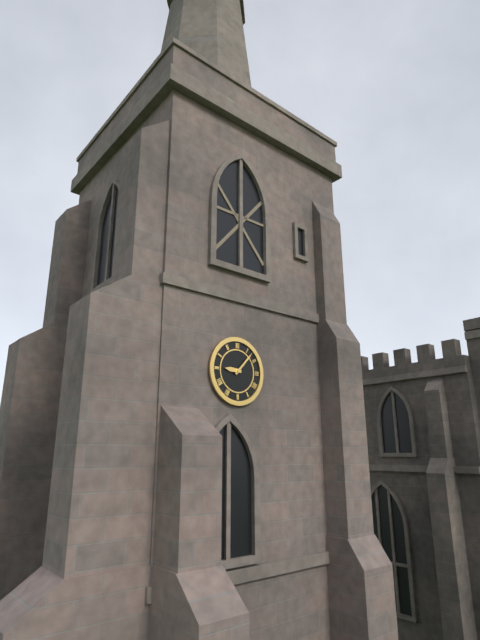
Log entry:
9h07
